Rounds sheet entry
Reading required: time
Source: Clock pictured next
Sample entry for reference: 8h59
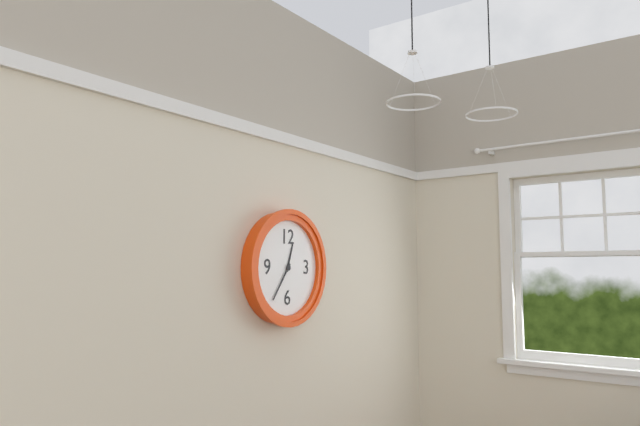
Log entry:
12h36
